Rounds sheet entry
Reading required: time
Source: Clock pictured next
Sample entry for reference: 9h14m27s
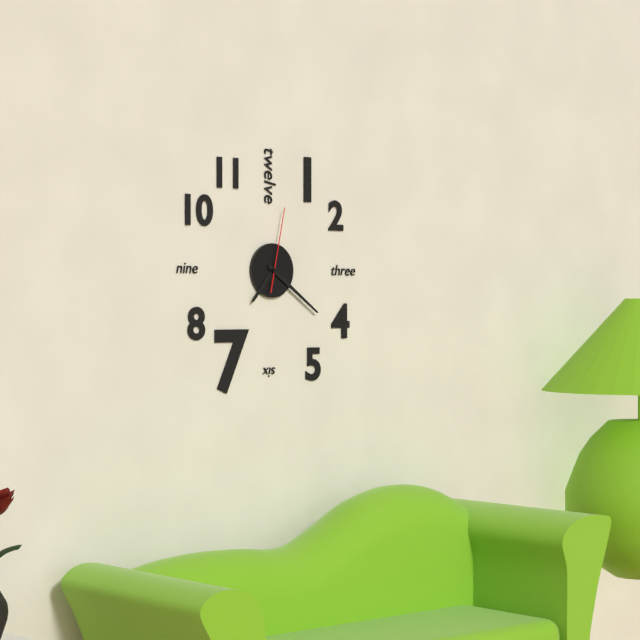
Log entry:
7h21m02s
